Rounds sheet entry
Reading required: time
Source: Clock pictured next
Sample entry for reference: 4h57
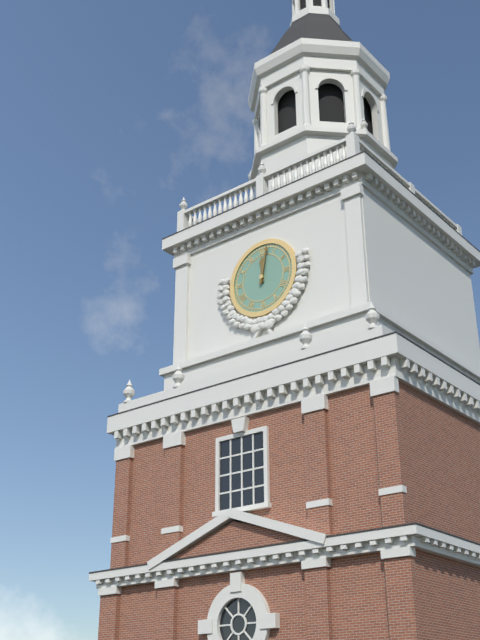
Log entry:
12h02
